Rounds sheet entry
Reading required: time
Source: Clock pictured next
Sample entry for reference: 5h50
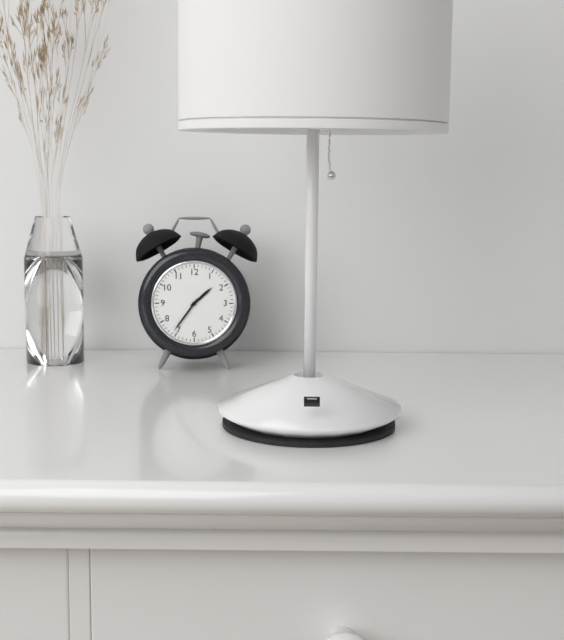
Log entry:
1h36
